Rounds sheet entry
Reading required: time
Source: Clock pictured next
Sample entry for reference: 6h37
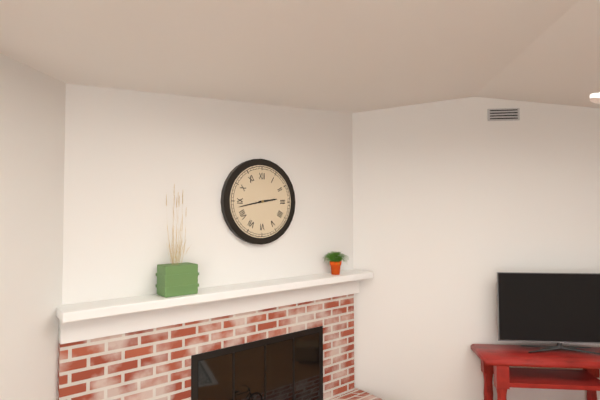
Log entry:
2h43
